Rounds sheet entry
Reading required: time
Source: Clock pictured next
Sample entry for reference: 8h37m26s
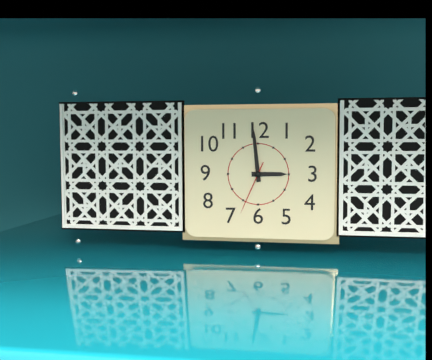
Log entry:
2h59m34s
